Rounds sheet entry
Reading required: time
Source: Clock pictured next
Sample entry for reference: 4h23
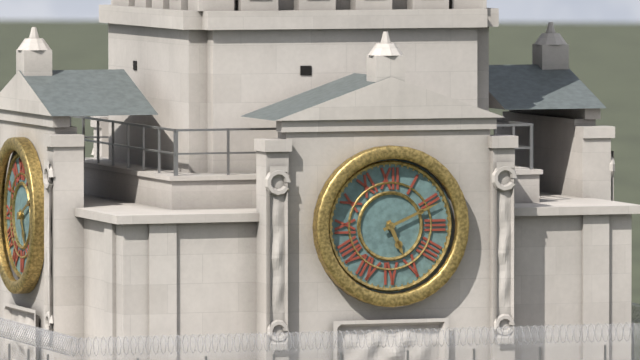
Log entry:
5h11
